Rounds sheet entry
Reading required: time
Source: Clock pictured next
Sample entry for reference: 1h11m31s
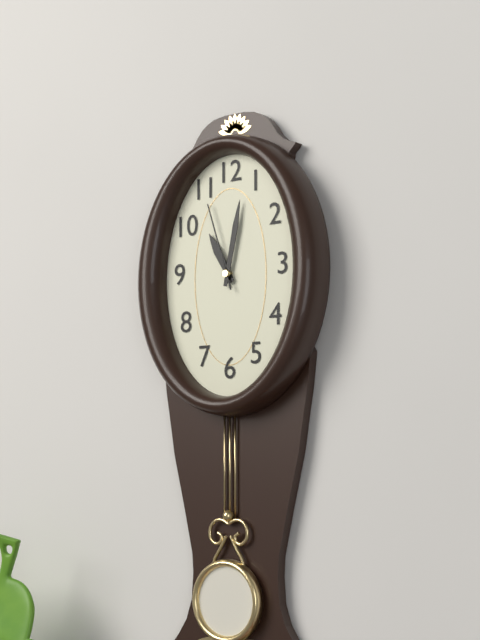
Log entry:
11h02m57s
